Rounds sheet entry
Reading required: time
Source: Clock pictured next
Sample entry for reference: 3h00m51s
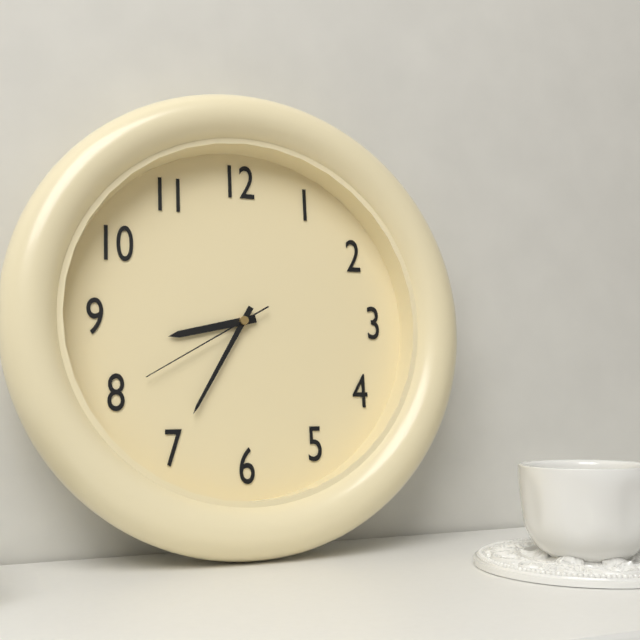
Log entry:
8h35m40s
